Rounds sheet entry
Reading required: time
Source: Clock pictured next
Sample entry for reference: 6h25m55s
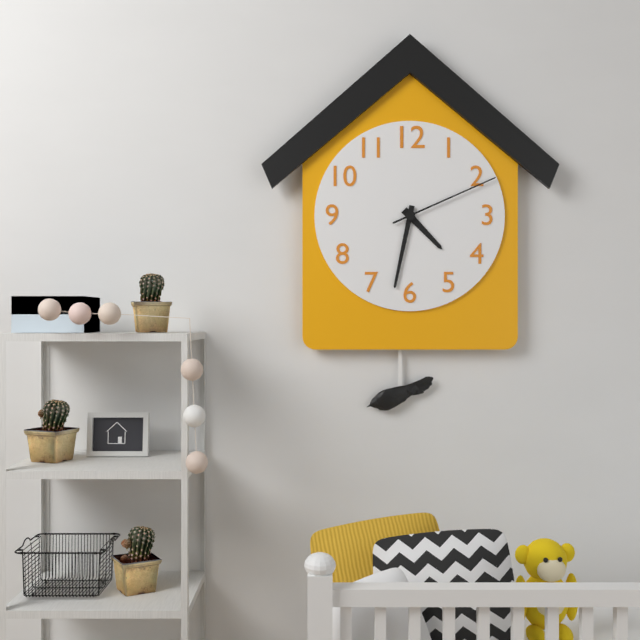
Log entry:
4h32m11s
